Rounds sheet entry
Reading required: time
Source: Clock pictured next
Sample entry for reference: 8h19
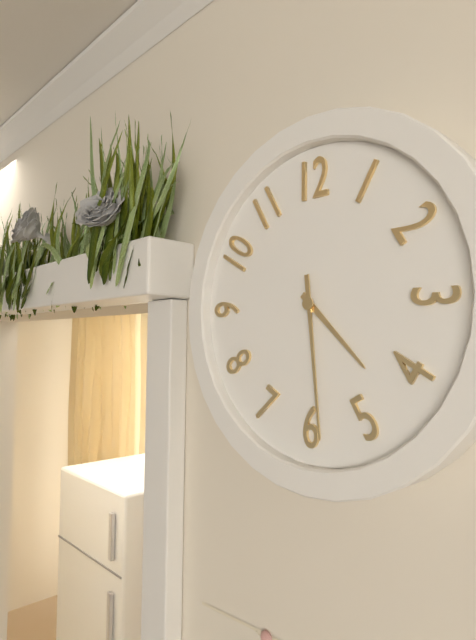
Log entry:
4h29
